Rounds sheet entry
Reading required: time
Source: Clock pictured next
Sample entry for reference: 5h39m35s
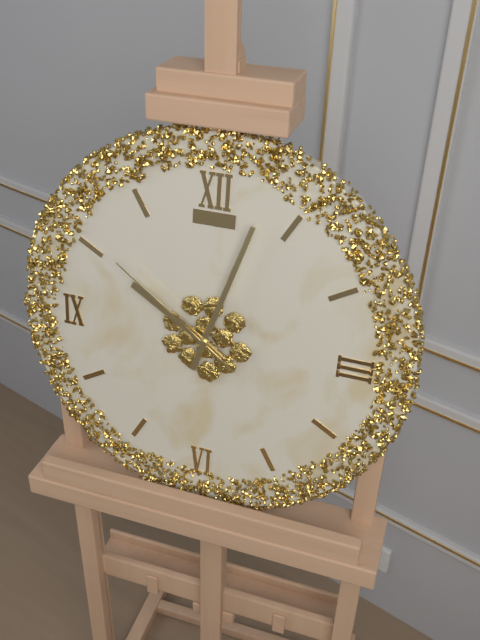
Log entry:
10h03m51s
